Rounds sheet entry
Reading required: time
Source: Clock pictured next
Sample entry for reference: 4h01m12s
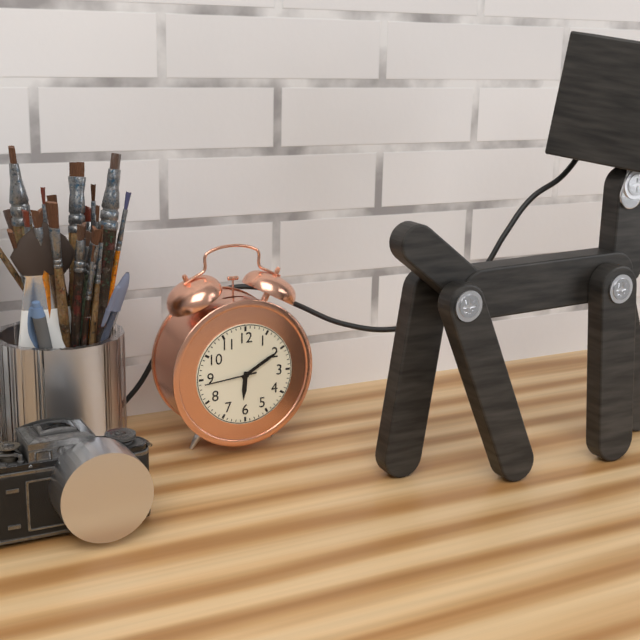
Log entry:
6h10m44s
